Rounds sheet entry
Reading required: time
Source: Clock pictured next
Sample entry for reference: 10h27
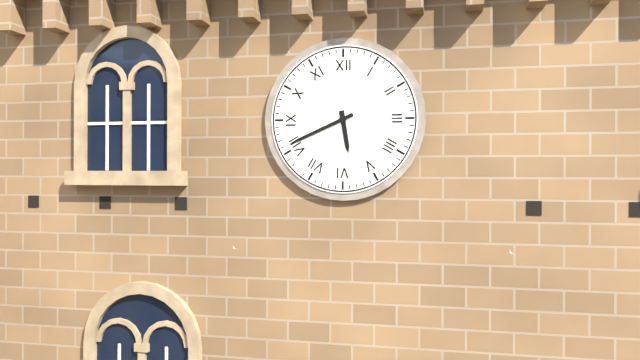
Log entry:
5h41
